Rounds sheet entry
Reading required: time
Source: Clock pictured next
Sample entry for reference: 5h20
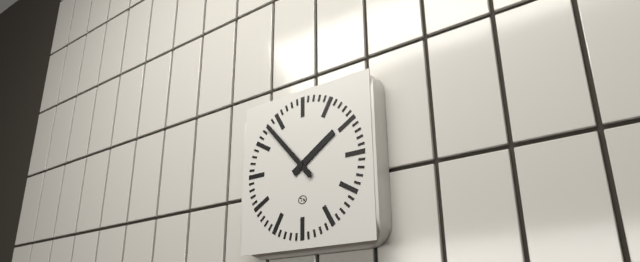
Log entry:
1h53
